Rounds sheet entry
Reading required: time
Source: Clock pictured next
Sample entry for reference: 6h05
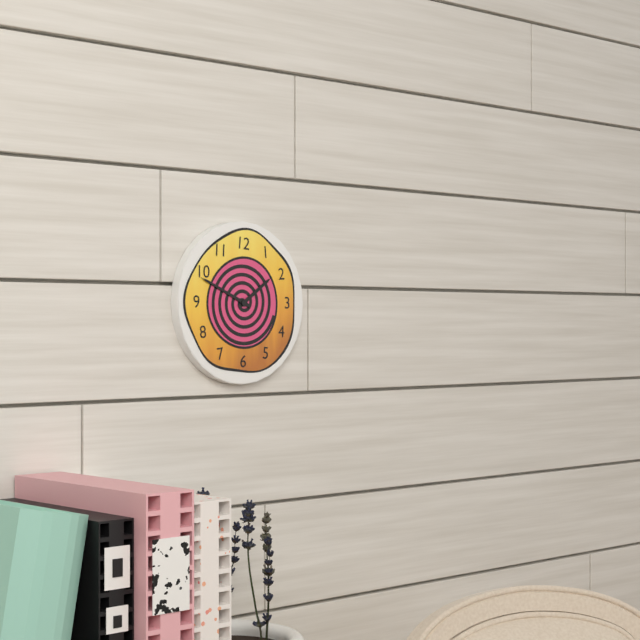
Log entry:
1h49
